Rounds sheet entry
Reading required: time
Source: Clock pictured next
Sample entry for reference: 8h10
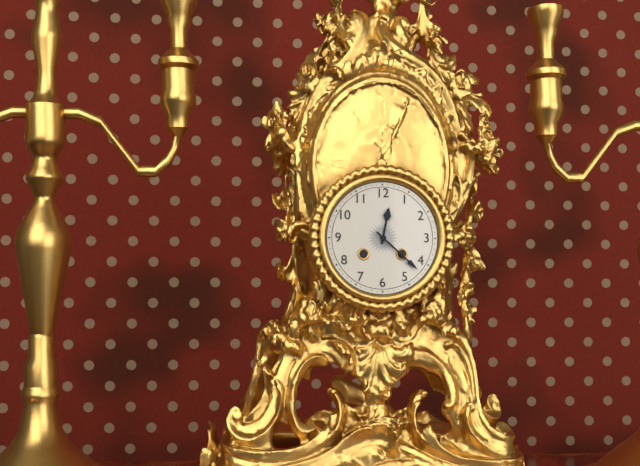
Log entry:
12h22
